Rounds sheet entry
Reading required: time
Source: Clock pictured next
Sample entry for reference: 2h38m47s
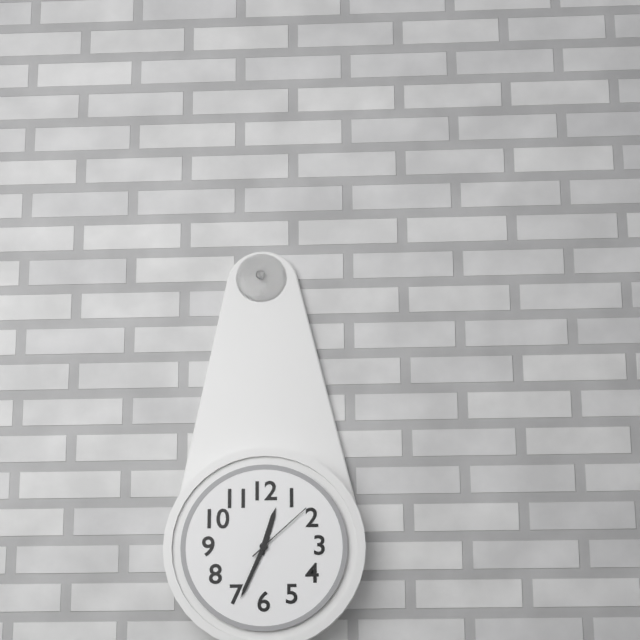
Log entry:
12h34m08s
